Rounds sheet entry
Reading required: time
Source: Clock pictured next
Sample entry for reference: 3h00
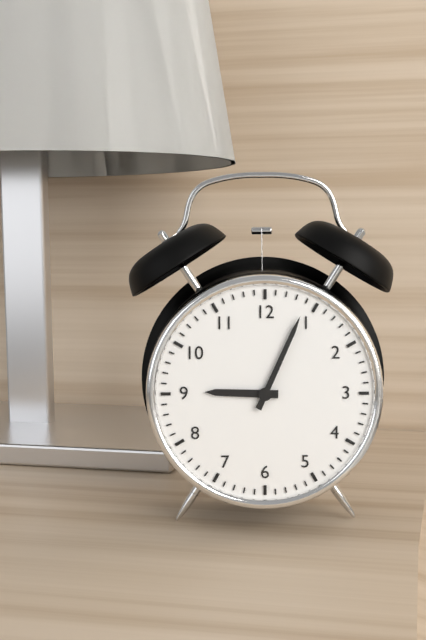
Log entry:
9h04
